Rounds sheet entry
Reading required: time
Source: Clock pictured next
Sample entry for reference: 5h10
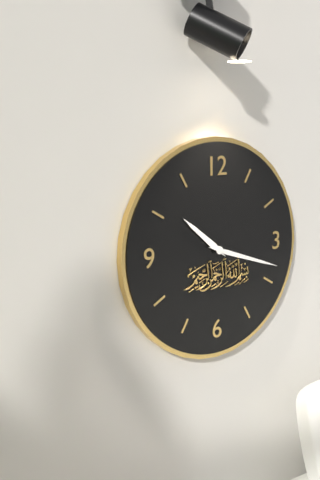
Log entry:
10h18
